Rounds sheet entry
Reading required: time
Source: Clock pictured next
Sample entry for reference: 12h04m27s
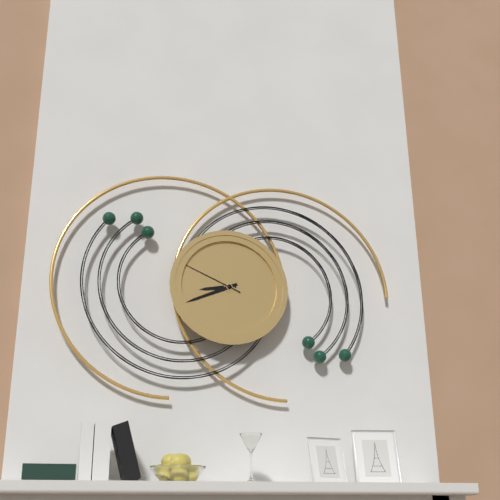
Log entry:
8h41m49s
